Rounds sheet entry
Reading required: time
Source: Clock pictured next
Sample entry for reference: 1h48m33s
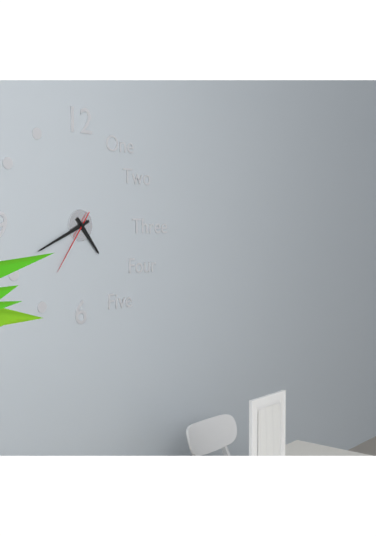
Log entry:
4h41m36s
